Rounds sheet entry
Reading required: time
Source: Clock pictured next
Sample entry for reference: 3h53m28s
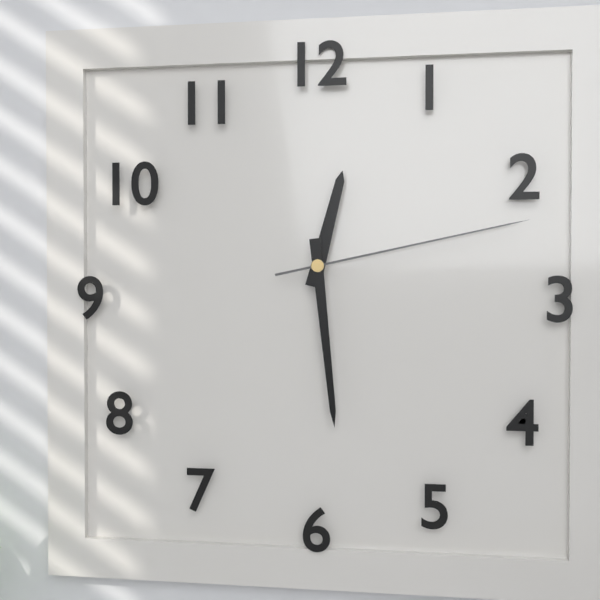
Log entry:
12h29m13s
